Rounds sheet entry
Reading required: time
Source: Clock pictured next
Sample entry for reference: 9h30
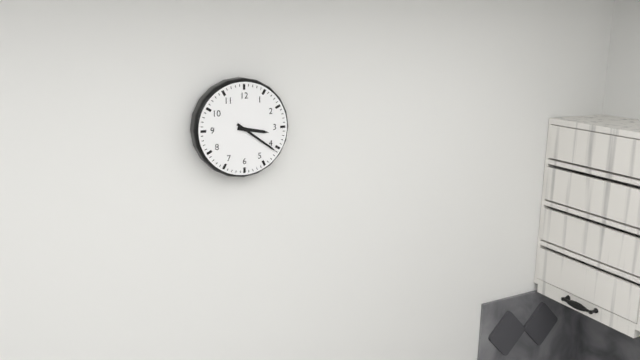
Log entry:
3h21
